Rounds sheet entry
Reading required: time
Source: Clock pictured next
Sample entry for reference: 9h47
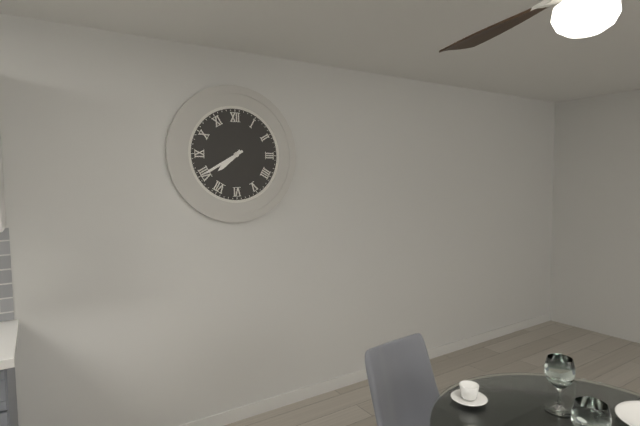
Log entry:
7h40
